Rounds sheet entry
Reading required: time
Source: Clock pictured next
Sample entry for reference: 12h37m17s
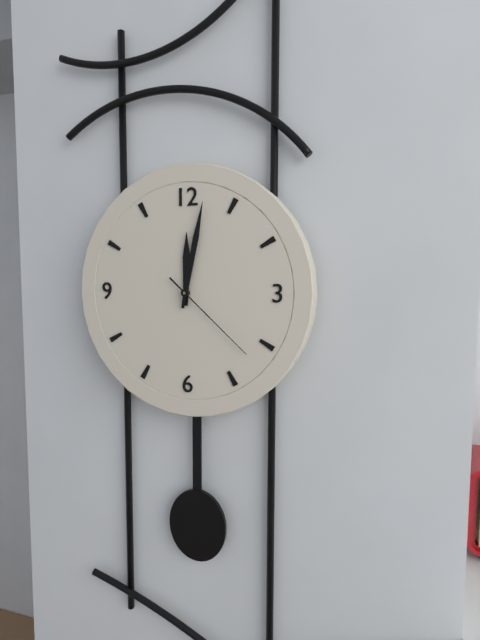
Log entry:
12h02m22s
